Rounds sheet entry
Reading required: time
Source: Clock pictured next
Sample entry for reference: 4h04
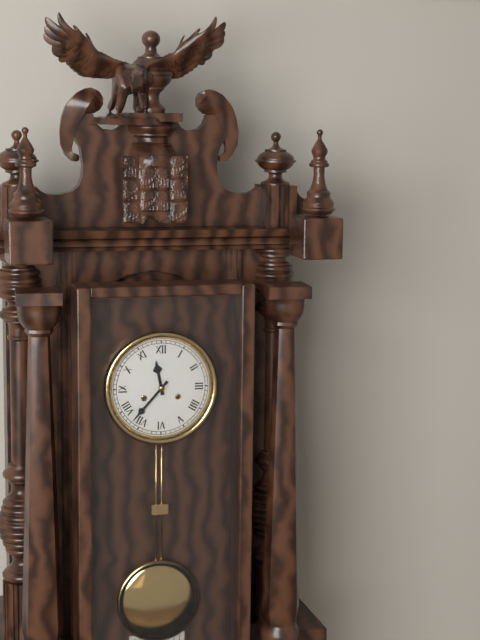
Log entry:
11h37
